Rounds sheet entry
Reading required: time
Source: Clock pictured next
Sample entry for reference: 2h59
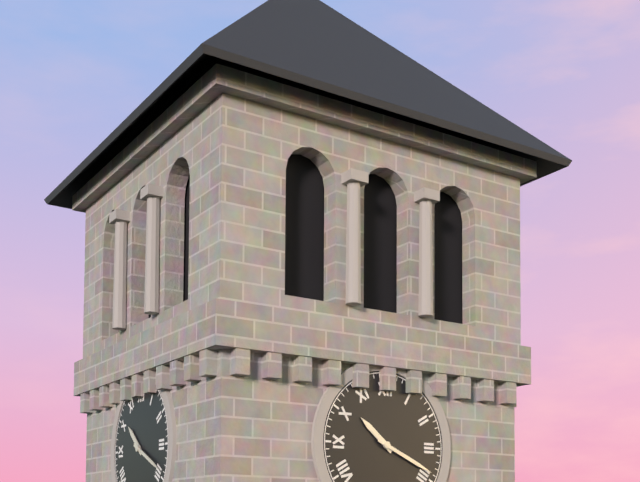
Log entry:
10h19
